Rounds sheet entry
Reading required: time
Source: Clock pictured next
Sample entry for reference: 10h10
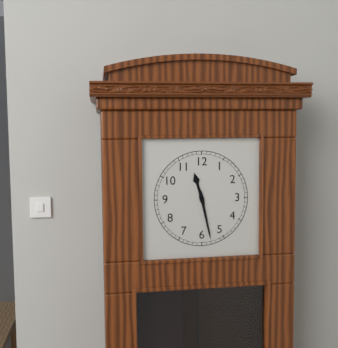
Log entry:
11h28
